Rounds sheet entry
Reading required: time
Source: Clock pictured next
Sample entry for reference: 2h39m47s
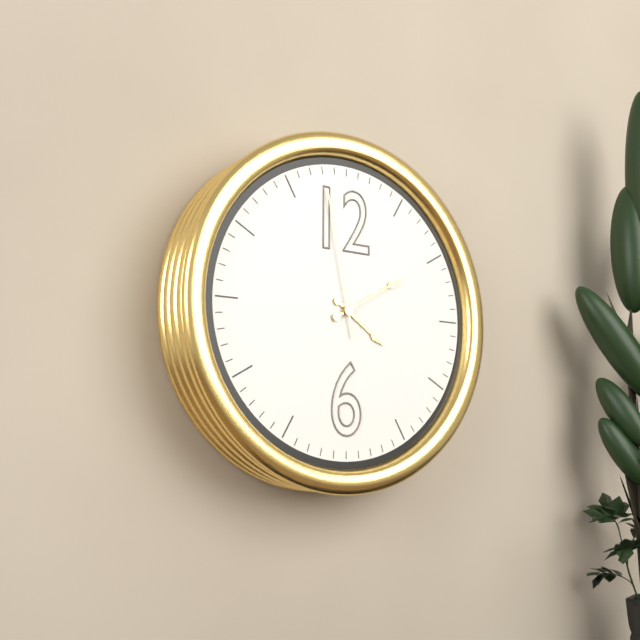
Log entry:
4h10m58s
